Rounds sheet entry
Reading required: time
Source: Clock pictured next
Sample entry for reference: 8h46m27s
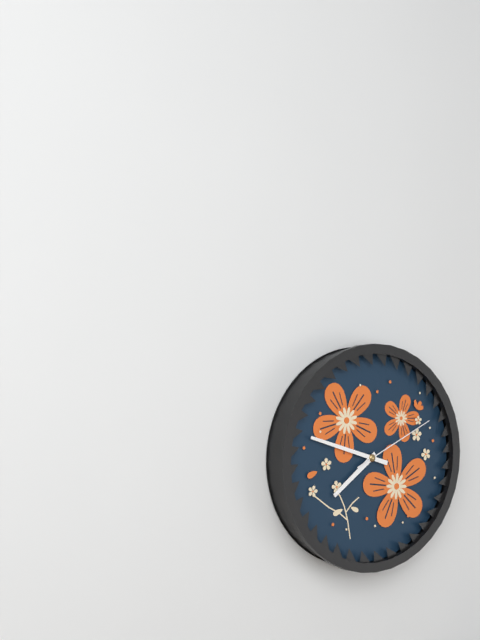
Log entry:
7h48m11s
